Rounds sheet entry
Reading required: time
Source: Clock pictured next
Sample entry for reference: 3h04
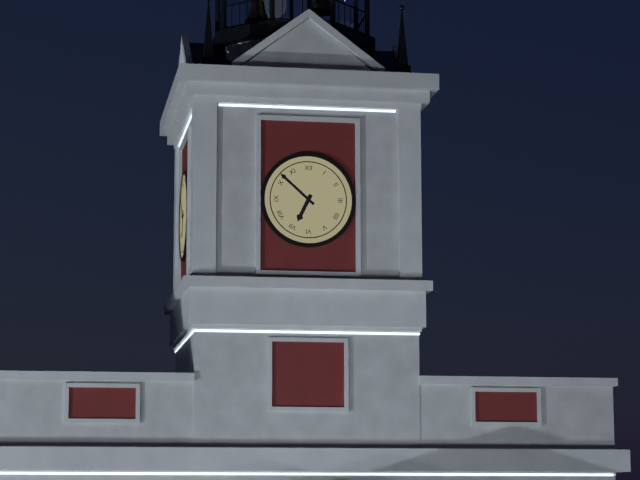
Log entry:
6h52
